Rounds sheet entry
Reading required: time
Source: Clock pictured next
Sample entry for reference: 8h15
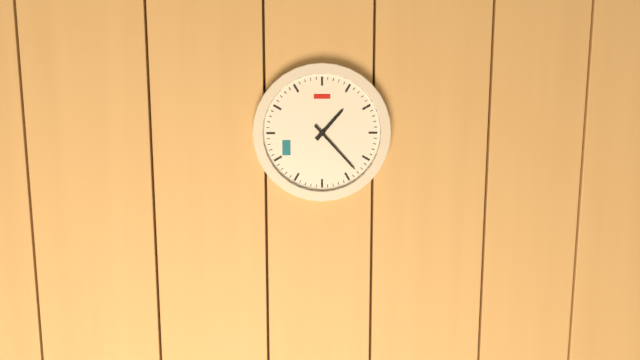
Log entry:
1h23
